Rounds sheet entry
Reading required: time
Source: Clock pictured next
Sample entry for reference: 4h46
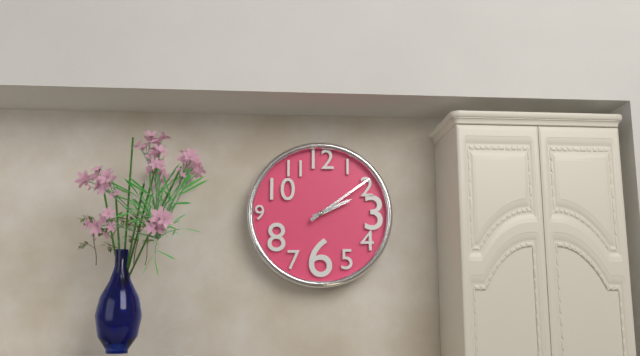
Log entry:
2h09
